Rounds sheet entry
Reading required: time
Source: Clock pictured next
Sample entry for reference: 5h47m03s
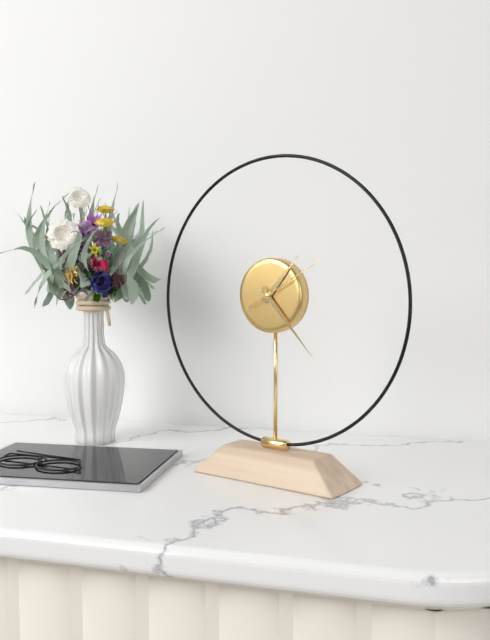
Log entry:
1h23m10s
